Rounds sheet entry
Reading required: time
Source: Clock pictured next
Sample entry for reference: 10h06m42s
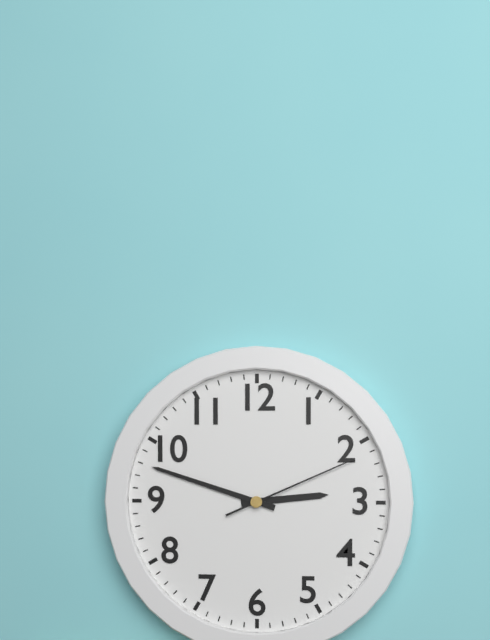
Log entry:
2h48m11s
